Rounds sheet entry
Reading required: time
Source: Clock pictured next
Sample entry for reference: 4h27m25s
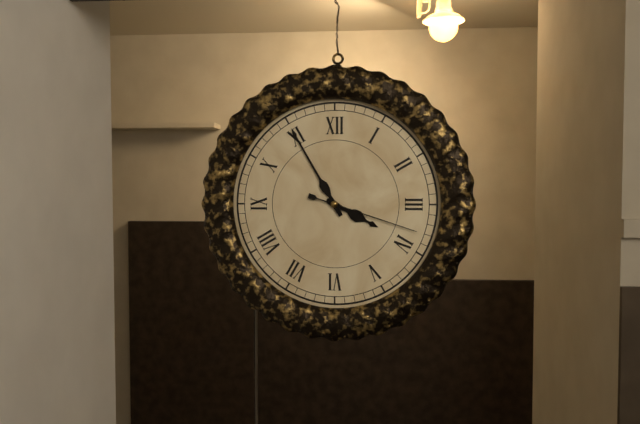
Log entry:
3h55m18s
